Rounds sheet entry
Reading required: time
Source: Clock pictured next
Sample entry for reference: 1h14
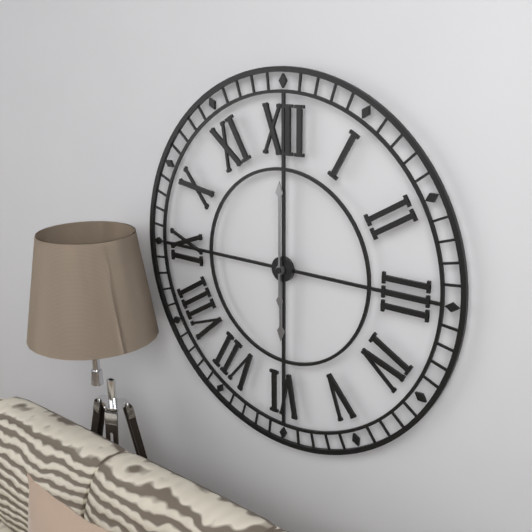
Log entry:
6h00
